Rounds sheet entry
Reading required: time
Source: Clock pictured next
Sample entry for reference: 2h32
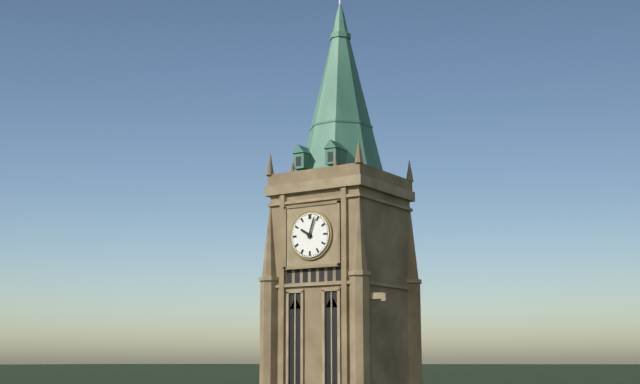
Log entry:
10h03
